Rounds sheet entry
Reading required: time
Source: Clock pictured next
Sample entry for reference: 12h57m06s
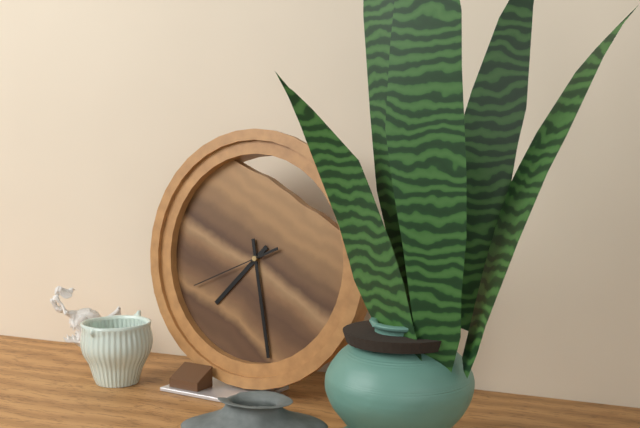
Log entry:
7h28m41s
